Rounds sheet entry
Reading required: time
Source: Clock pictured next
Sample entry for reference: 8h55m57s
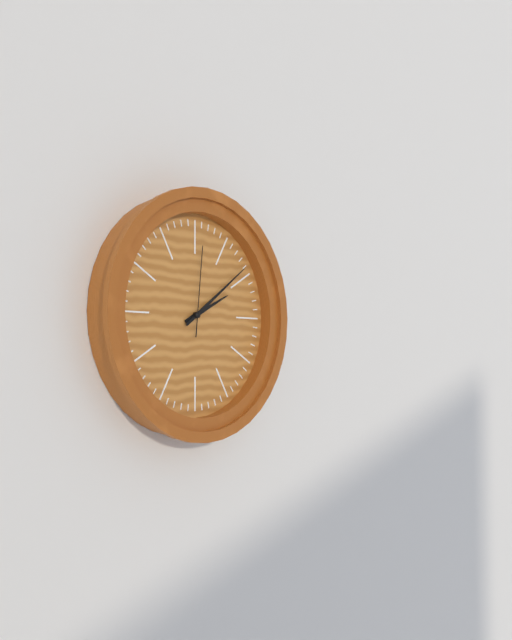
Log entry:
2h09m01s
